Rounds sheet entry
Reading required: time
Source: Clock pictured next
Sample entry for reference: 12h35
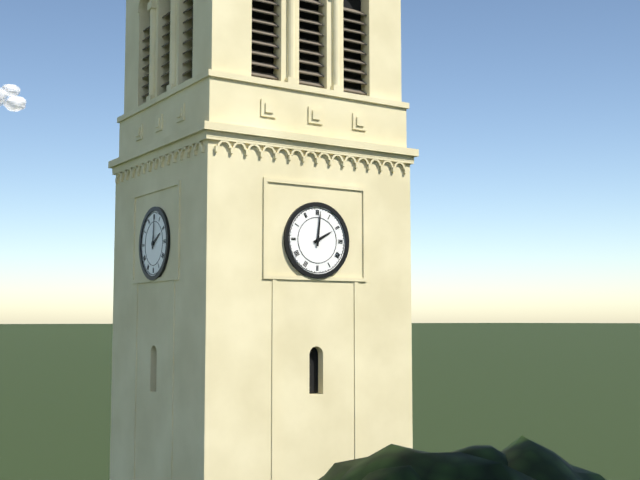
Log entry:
2h01
